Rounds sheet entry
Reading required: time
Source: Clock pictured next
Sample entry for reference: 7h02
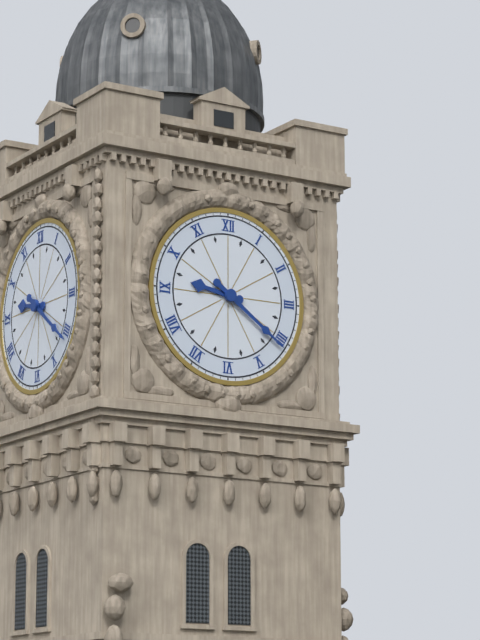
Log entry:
9h21
